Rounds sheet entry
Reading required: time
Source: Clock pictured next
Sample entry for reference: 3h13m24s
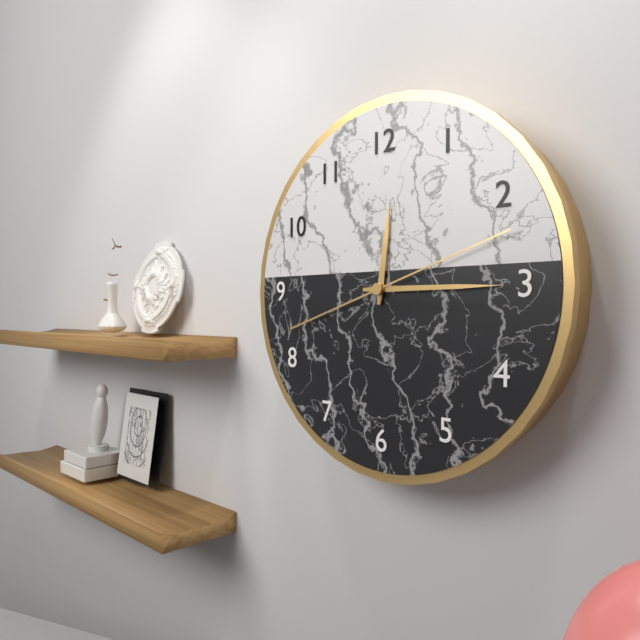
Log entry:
12h15m12s
